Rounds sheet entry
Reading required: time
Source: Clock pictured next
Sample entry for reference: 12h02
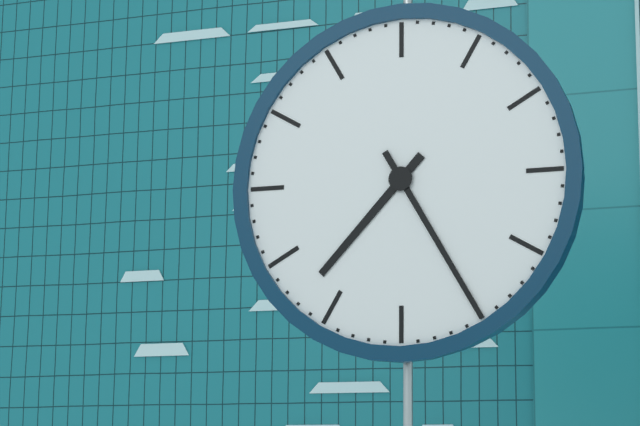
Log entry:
7h25
